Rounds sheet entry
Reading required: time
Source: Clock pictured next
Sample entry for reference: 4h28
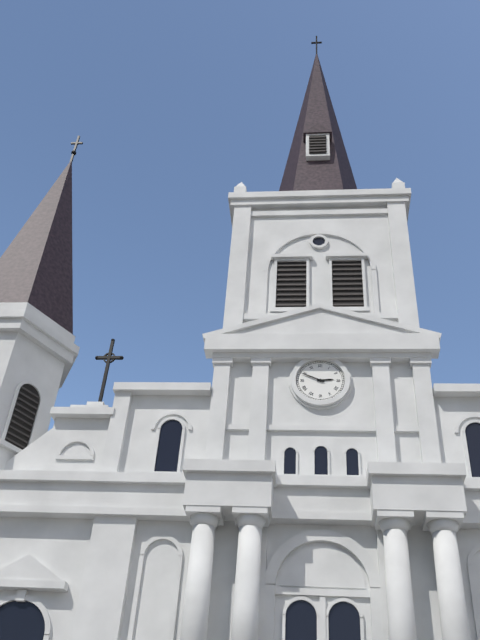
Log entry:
2h49
